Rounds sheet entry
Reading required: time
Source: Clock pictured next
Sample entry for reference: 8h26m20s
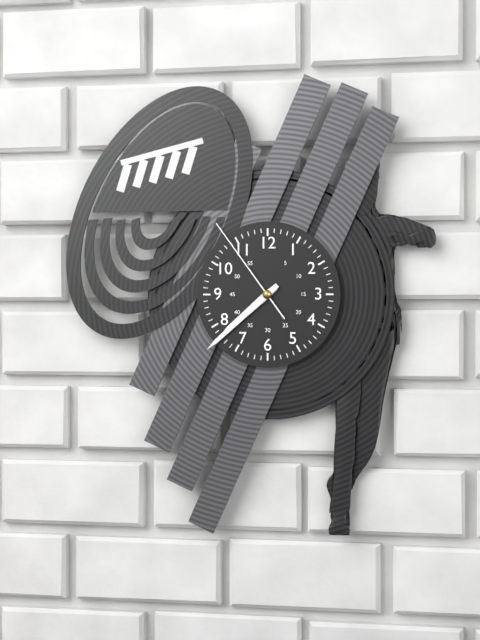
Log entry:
7h38m54s
